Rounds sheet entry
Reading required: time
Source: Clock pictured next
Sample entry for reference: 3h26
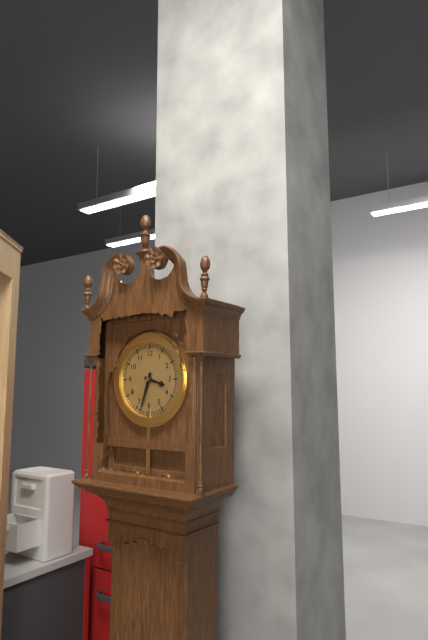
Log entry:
3h33
